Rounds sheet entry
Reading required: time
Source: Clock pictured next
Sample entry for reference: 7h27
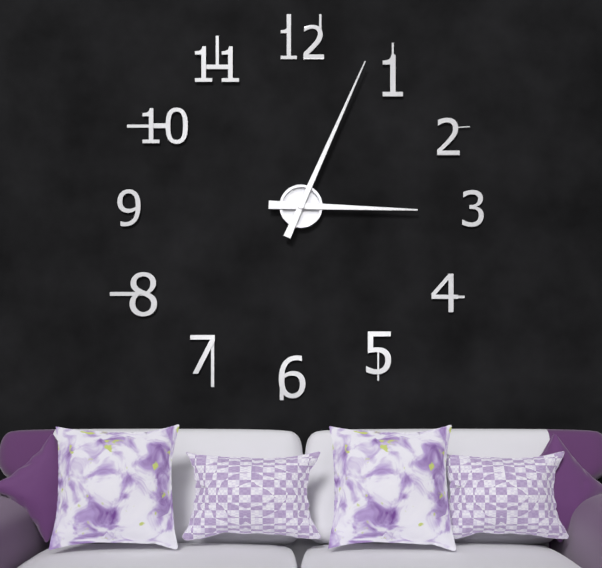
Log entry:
3h04
